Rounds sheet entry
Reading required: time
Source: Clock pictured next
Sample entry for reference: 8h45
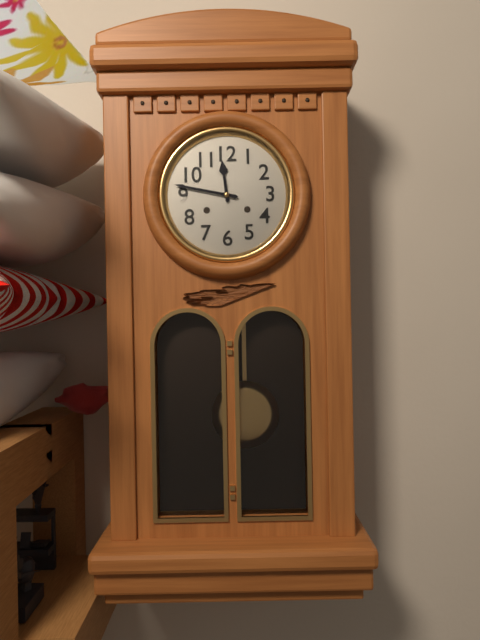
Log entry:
11h47
